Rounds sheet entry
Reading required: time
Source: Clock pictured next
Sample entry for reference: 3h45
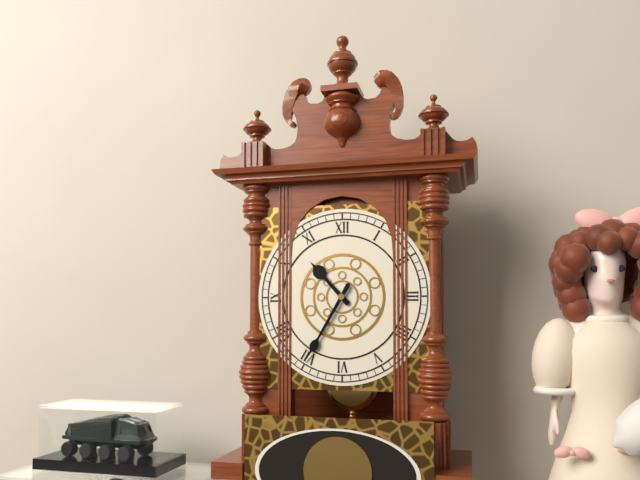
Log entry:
10h35
